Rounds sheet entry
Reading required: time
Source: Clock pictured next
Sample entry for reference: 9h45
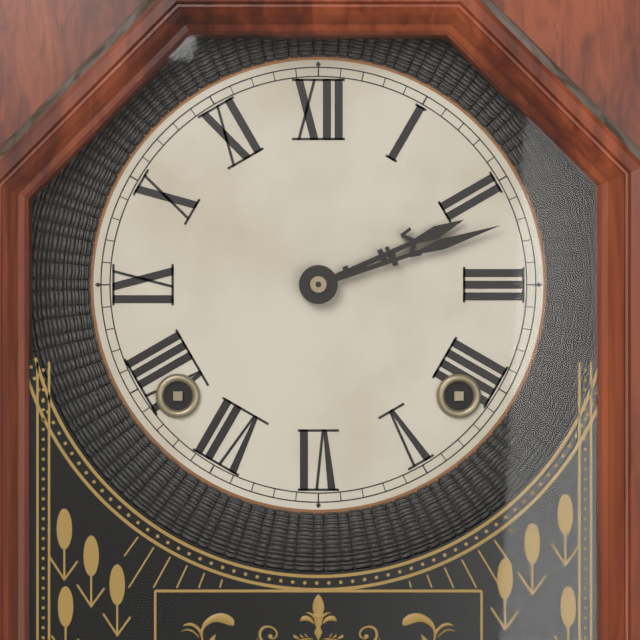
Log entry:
2h12
